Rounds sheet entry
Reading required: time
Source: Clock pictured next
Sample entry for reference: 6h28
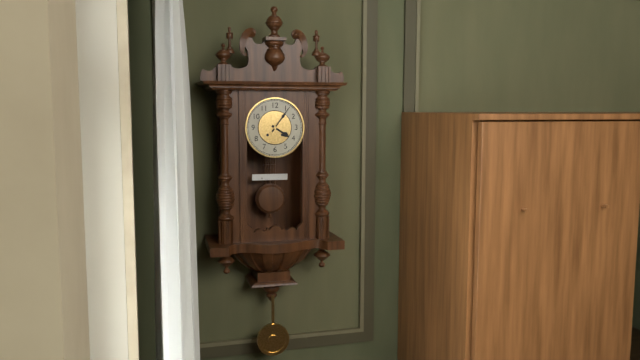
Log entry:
4h06
